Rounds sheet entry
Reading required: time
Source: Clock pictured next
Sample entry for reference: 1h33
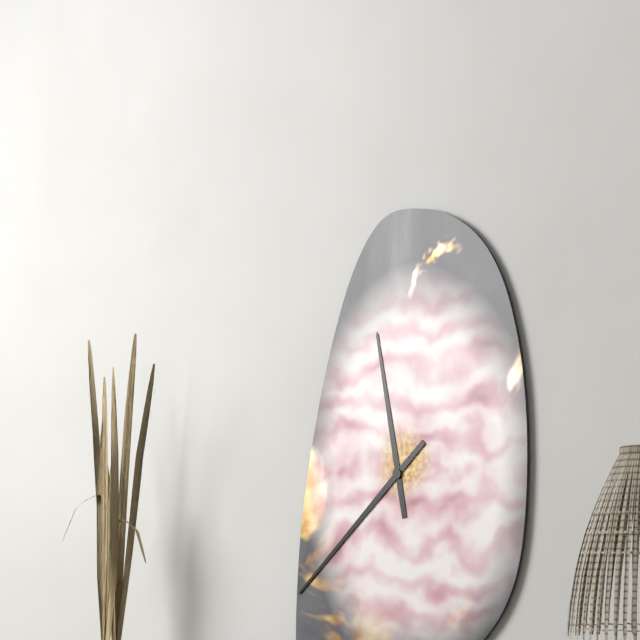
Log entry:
11h38
